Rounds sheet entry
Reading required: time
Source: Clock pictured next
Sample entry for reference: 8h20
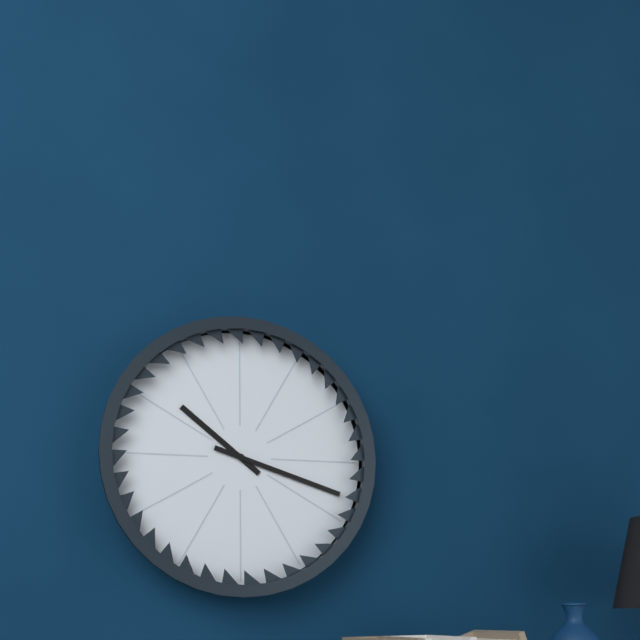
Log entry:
10h18
